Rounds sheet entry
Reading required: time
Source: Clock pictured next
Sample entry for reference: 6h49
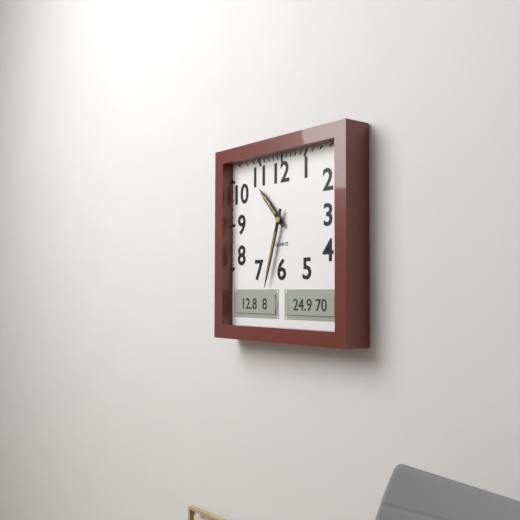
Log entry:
10h33
